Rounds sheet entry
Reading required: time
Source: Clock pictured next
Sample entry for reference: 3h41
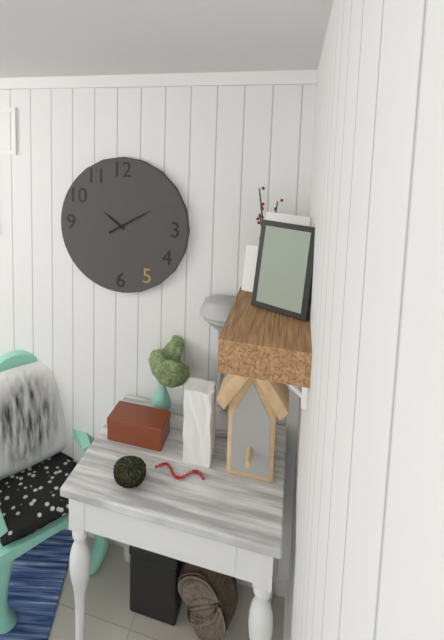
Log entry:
10h10
